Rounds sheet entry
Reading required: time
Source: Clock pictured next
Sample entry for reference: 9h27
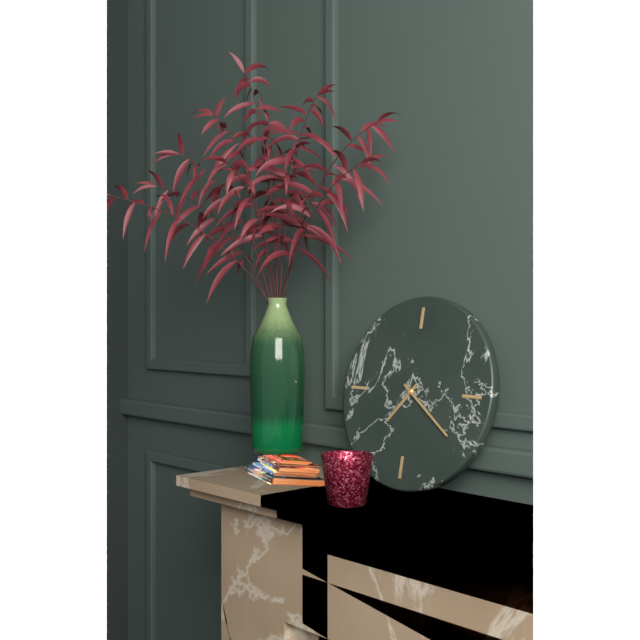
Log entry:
7h21
